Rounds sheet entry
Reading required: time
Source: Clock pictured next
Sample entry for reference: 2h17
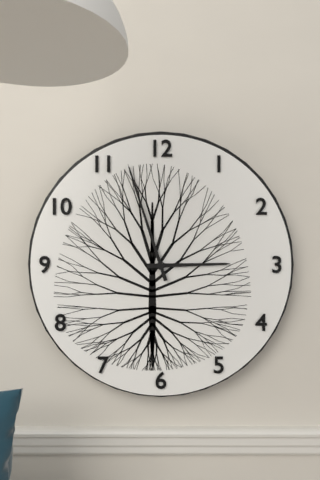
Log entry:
2h57
